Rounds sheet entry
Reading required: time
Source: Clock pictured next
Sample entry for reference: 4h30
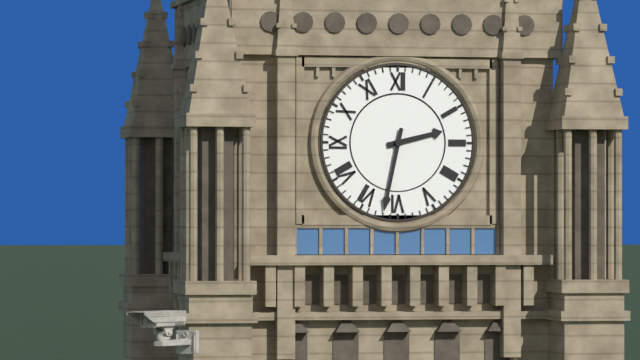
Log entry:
2h32
